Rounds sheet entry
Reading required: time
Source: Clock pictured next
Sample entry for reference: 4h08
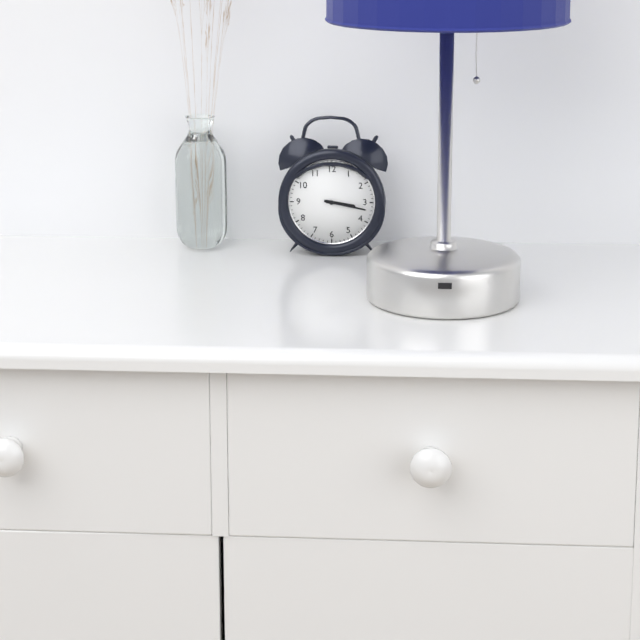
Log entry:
3h17
